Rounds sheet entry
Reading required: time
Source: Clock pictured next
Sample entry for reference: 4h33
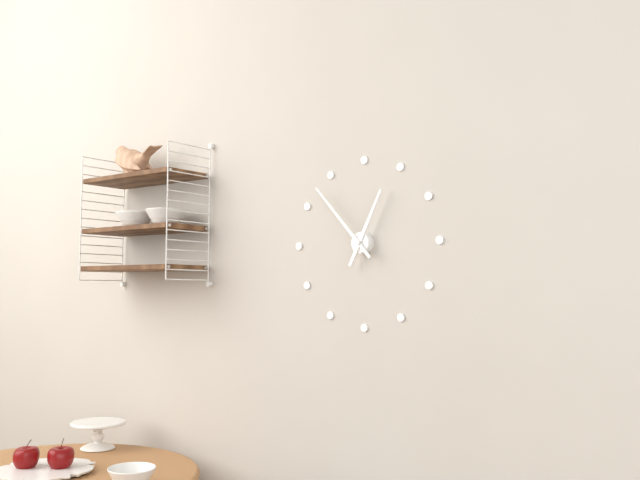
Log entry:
12h53
